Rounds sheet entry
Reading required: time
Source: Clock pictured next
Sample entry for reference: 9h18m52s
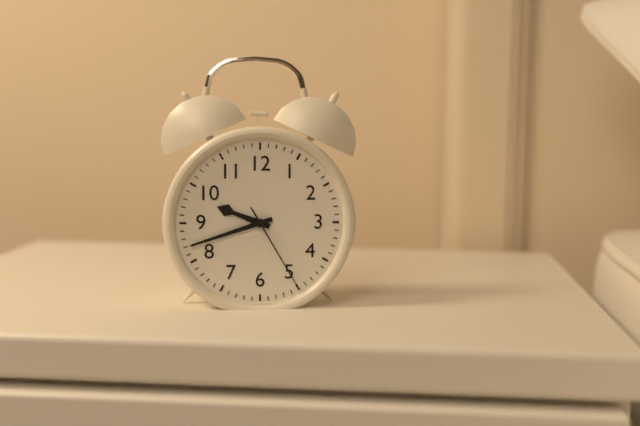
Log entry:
9h42m25s
